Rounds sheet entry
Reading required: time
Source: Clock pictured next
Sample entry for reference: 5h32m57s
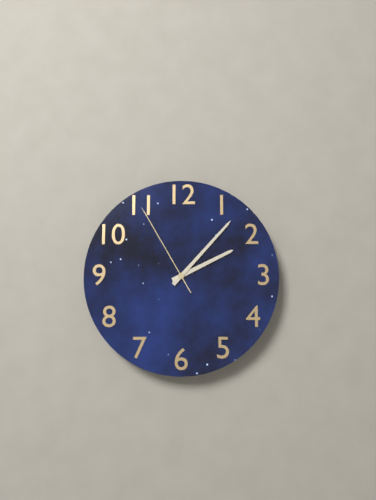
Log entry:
2h07m55s
